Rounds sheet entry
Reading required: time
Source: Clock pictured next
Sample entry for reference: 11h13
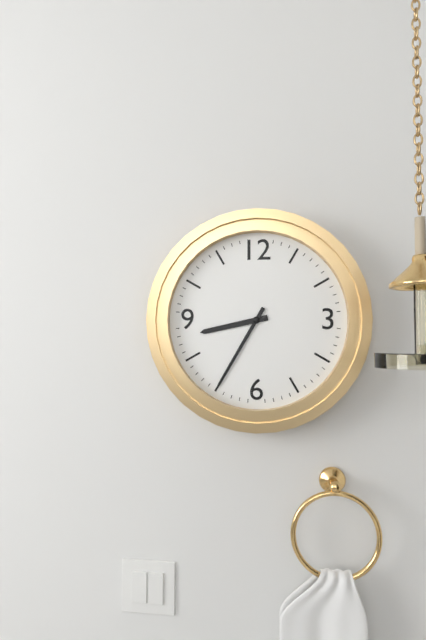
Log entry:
8h35
